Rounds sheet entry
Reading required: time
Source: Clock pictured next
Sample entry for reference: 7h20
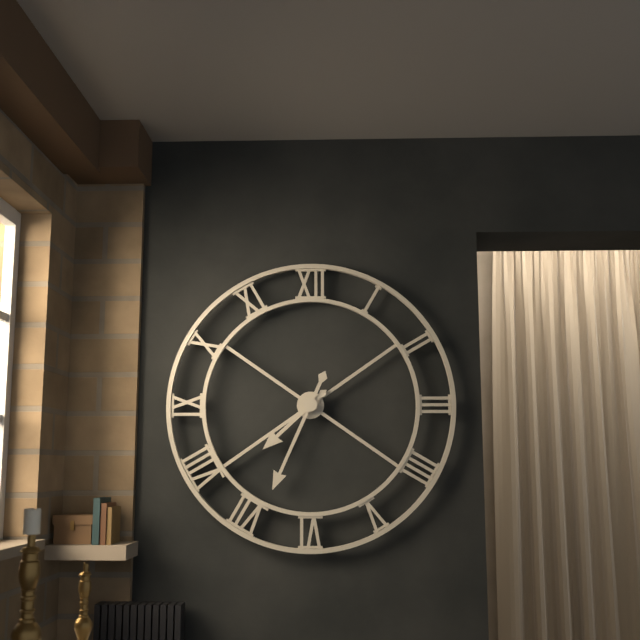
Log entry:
7h34
